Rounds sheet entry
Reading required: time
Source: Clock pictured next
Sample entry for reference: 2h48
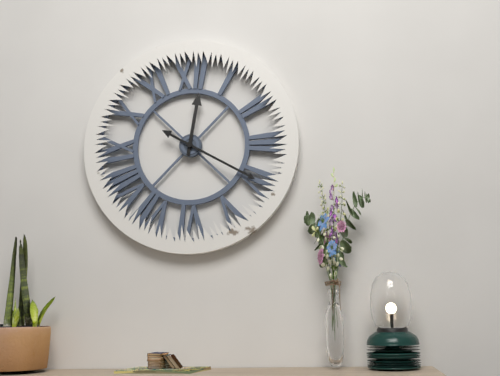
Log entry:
12h20
